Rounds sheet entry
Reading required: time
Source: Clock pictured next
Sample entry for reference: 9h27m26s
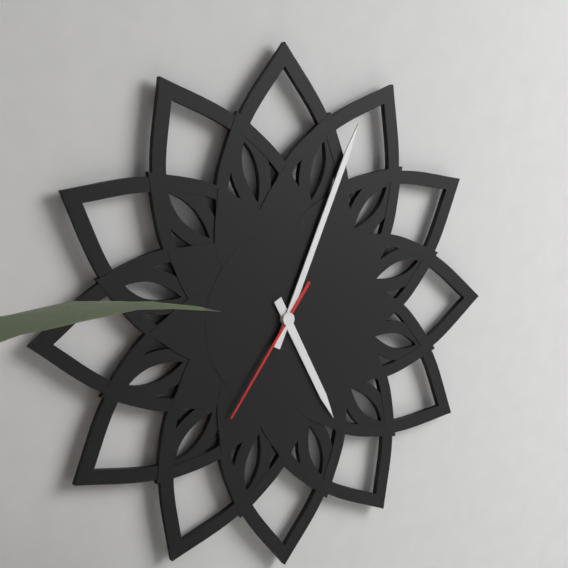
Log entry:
5h04m36s
